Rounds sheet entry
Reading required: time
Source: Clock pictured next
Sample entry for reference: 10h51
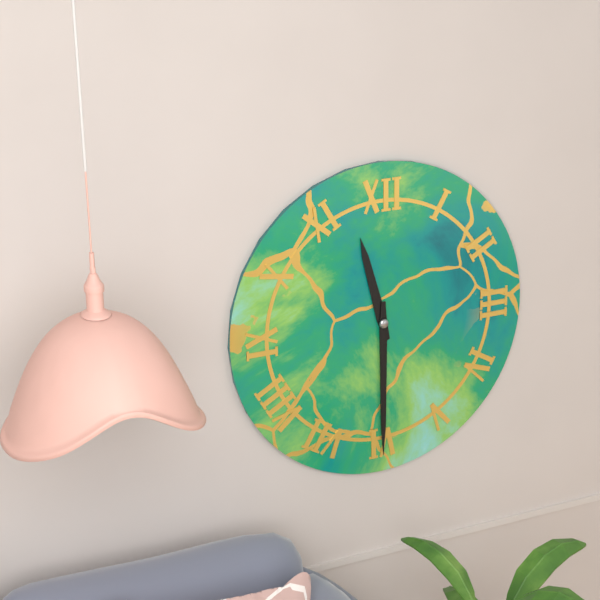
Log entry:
11h30
